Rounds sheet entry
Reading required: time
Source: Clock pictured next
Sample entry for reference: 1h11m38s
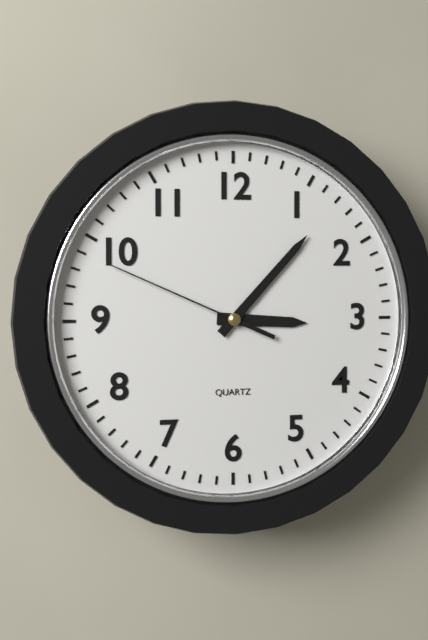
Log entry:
3h07m49s
